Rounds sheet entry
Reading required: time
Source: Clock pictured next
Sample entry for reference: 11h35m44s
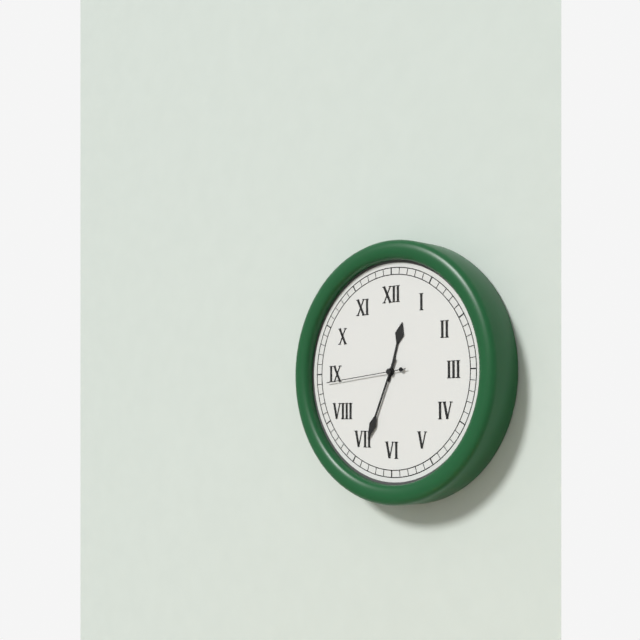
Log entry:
12h34m44s
